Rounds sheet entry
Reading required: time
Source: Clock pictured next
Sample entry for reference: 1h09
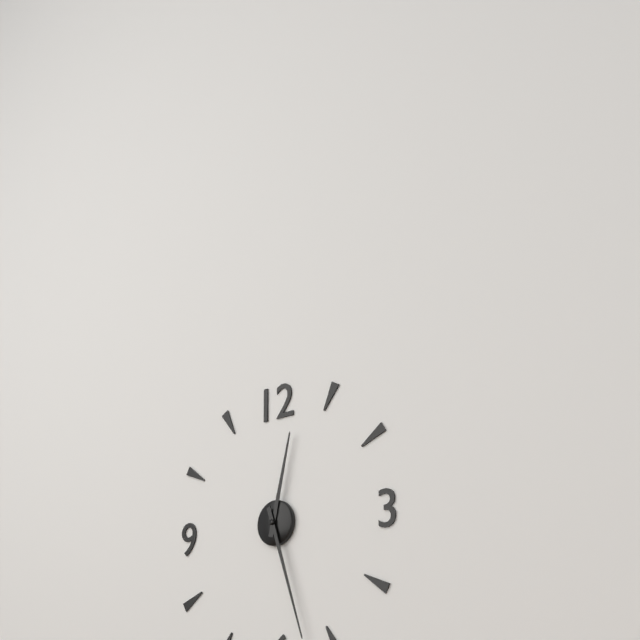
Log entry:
12h27
